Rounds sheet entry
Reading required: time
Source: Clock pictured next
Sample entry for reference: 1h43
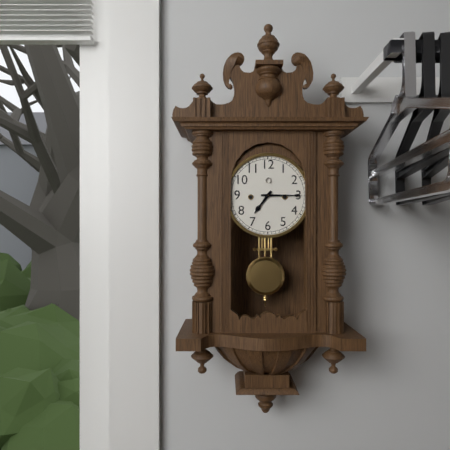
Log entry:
7h15
